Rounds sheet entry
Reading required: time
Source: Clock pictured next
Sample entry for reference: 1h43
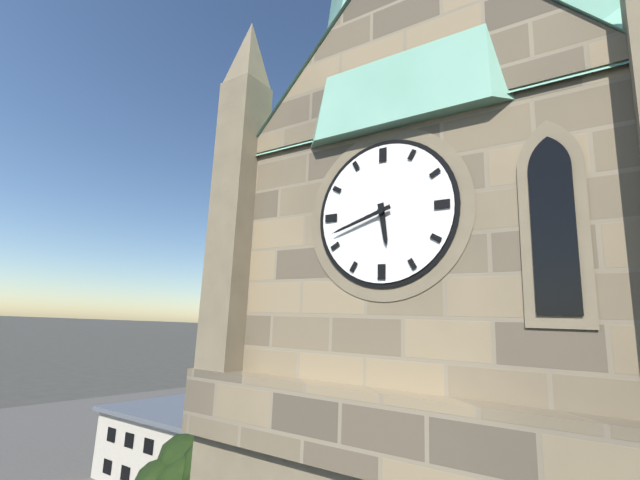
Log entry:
5h42
